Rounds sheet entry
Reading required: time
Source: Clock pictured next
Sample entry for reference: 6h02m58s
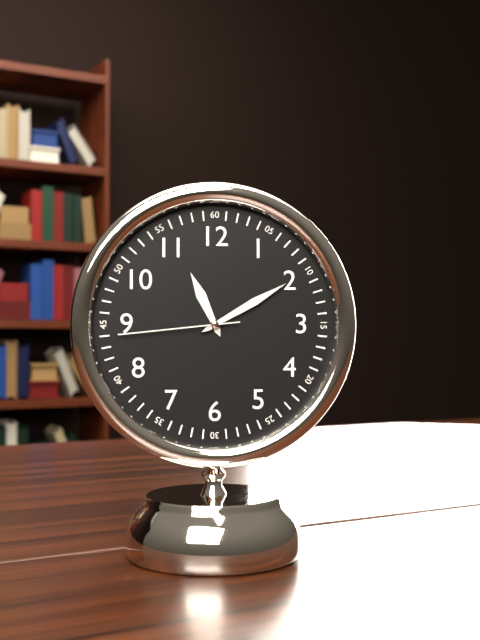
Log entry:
11h10m44s
